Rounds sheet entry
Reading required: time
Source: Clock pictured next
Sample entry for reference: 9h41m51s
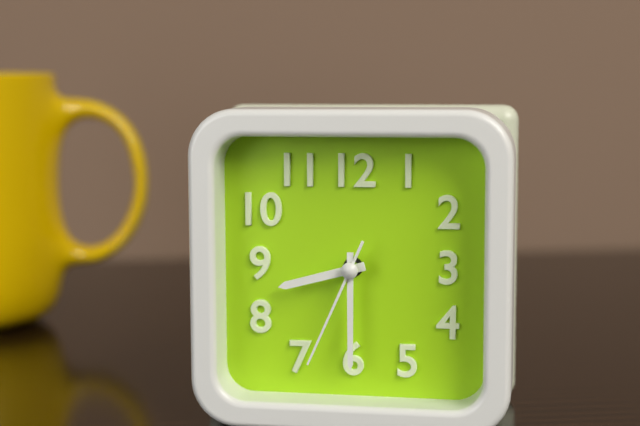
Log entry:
8h30m34s
